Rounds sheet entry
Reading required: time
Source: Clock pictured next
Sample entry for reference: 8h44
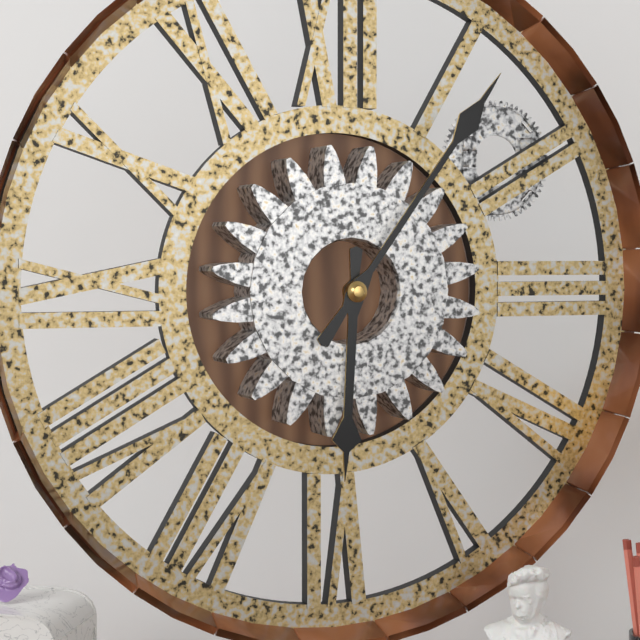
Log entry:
6h06
